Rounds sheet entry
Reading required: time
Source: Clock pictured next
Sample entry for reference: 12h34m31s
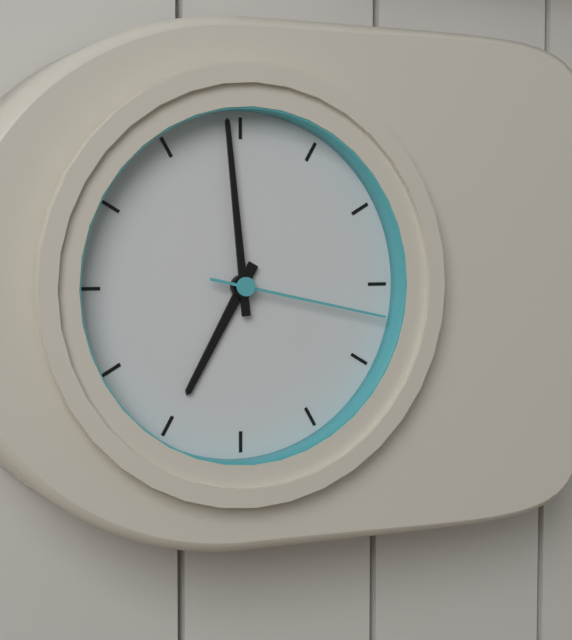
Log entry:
6h59m17s
